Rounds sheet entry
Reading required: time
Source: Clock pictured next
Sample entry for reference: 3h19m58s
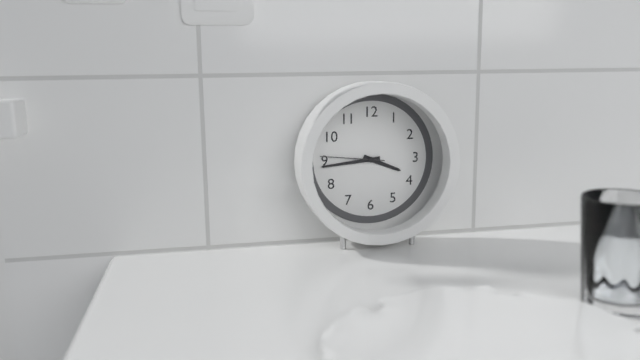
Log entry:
3h44m46s
